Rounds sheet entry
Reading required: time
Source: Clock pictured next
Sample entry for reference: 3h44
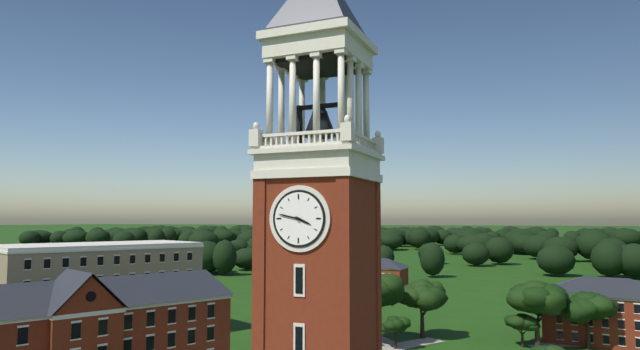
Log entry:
3h47
